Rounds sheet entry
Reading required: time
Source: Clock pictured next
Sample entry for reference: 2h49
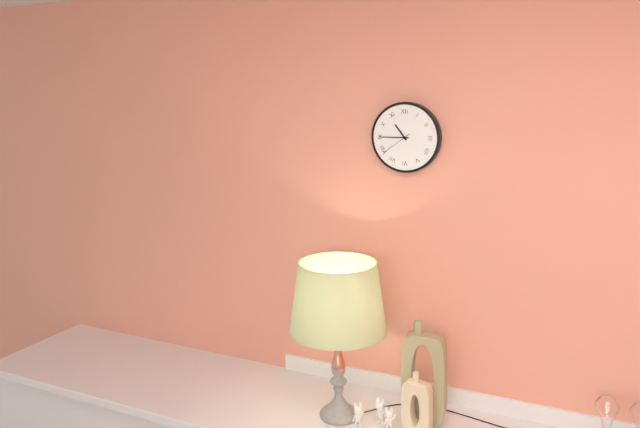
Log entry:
10h45
